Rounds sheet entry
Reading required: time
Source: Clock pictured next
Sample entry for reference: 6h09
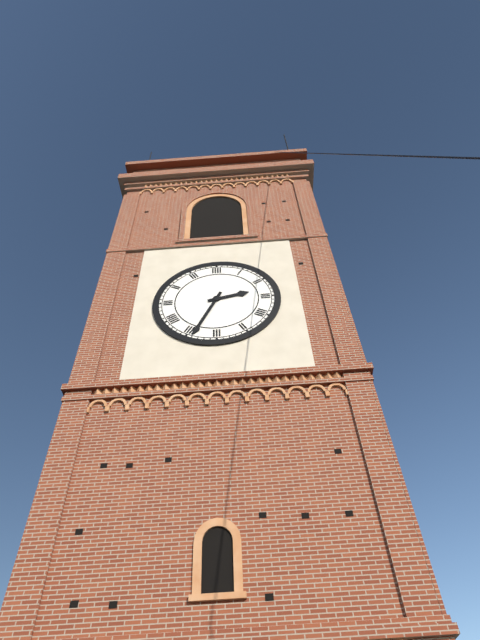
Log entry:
2h34
